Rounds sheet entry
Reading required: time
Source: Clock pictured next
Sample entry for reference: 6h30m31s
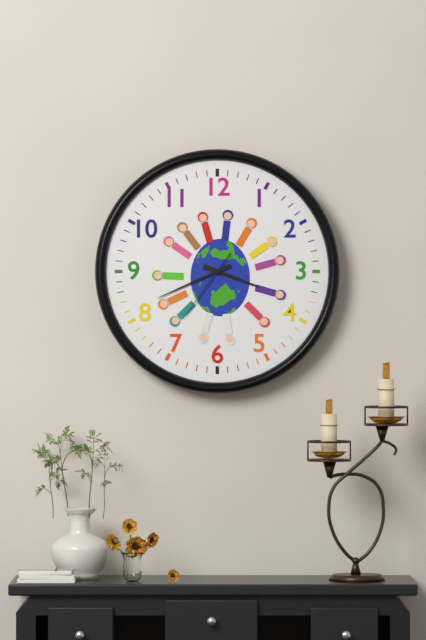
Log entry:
3h41m36s
